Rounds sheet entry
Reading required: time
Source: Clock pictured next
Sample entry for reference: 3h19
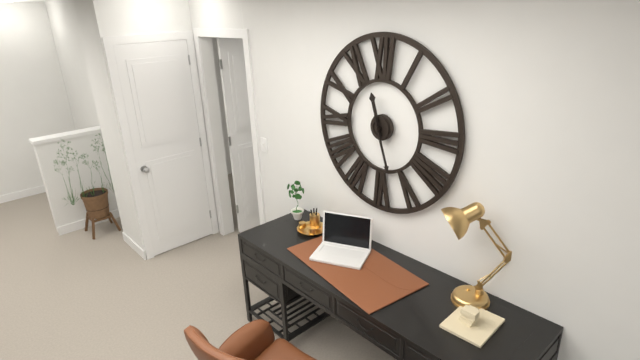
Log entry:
11h27
